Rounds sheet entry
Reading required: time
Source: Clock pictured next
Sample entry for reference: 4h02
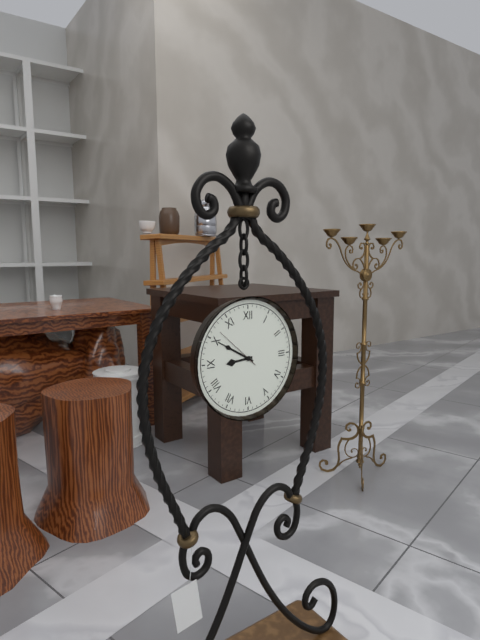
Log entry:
8h50
